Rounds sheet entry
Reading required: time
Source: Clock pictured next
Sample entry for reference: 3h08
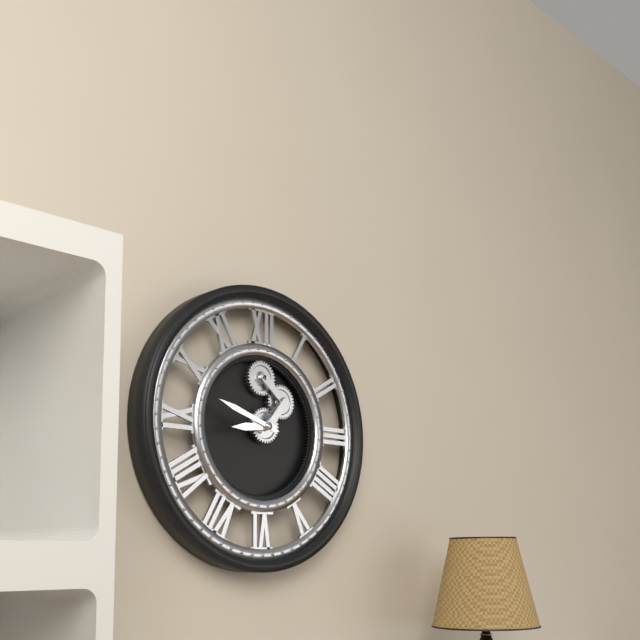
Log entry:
8h48
